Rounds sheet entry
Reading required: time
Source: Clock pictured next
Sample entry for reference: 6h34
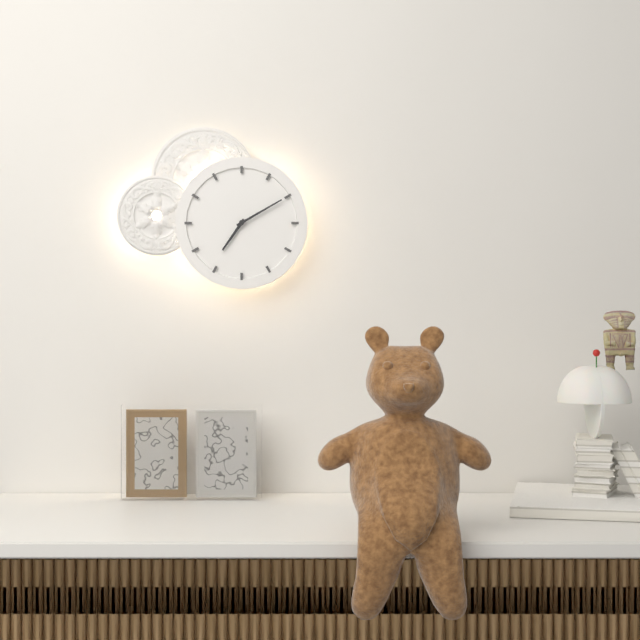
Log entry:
7h10
